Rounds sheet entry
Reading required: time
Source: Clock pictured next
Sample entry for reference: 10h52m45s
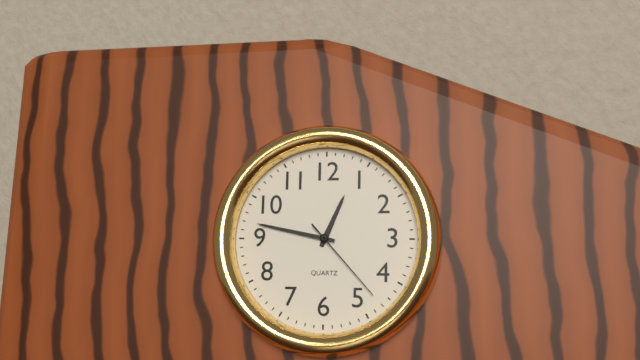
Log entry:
12h47m23s
